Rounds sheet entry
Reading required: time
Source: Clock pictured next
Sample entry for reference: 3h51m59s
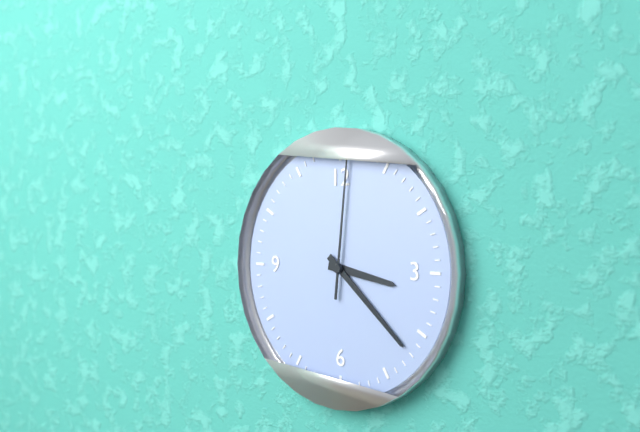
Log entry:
3h22m01s
